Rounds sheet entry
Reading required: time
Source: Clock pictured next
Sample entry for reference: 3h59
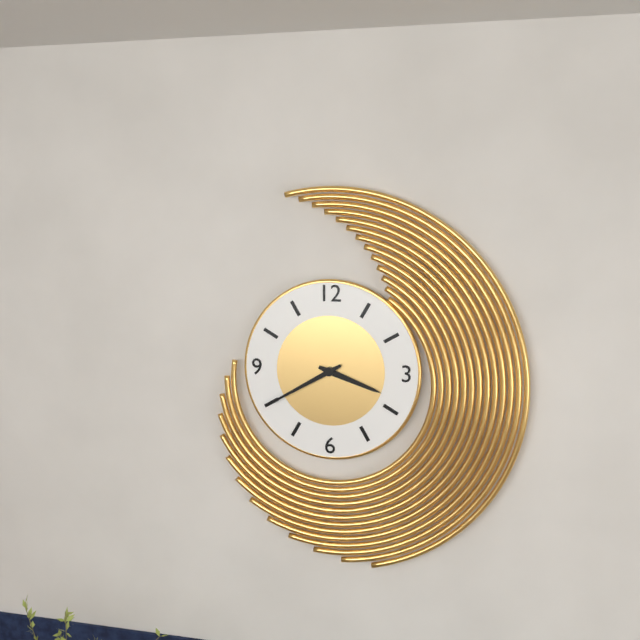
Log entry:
3h40
